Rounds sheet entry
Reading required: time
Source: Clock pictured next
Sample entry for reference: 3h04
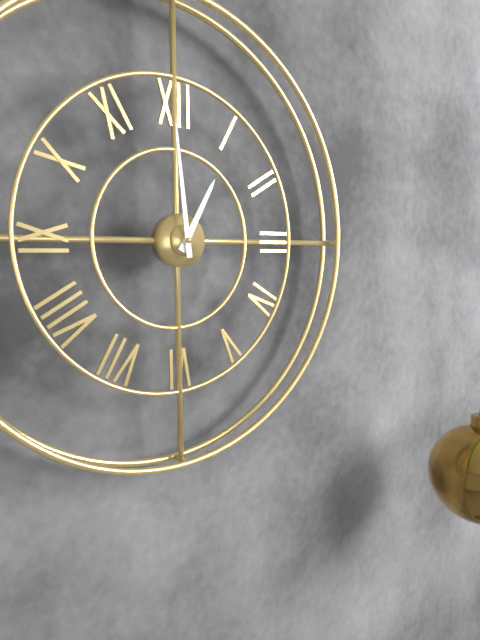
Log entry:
12h59
